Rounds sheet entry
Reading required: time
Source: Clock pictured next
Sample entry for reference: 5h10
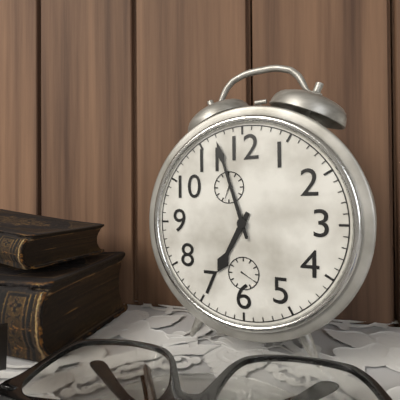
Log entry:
6h57
